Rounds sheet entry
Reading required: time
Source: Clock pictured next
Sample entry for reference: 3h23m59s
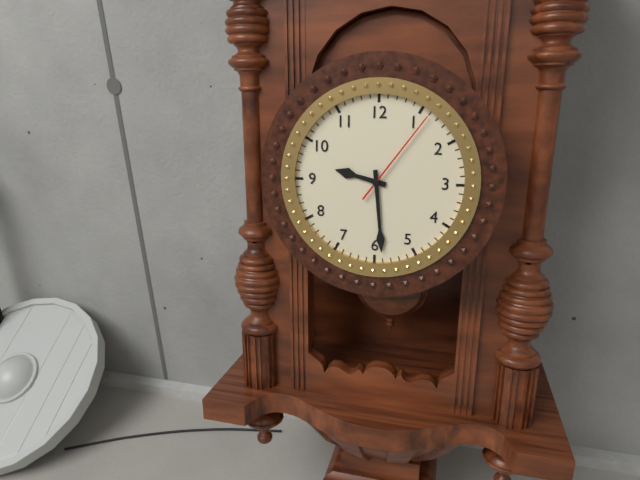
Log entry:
9h29m06s
